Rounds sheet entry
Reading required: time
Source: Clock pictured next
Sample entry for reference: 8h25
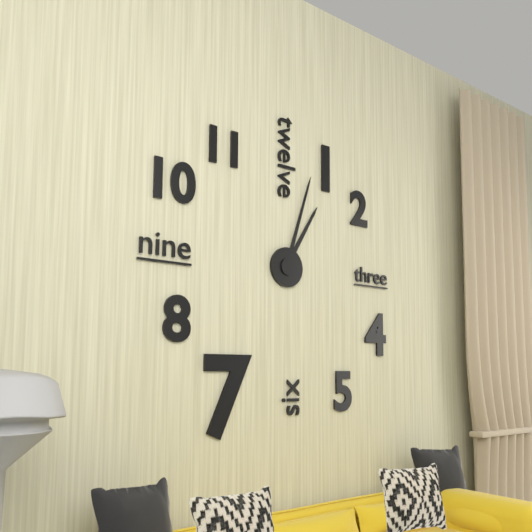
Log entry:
1h03
